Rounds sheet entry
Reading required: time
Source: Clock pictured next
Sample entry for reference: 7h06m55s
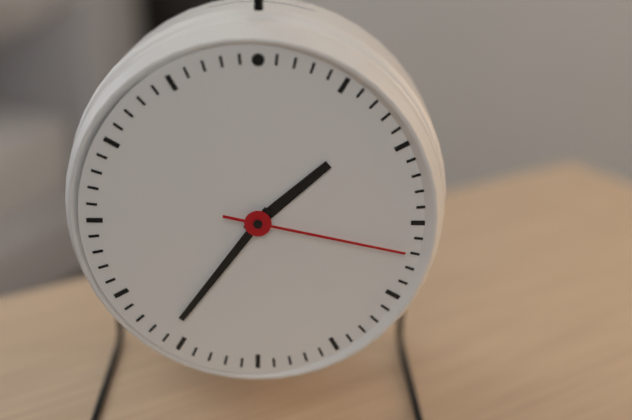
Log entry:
1h36m17s
